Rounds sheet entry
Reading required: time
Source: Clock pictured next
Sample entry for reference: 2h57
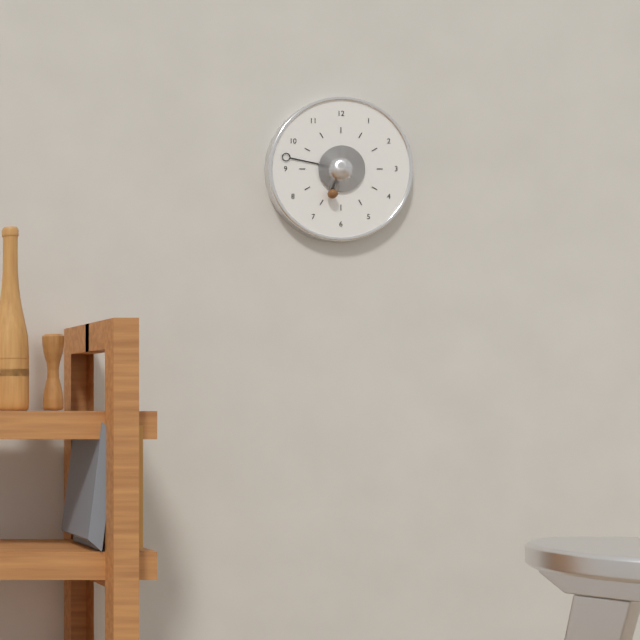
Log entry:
6h47
